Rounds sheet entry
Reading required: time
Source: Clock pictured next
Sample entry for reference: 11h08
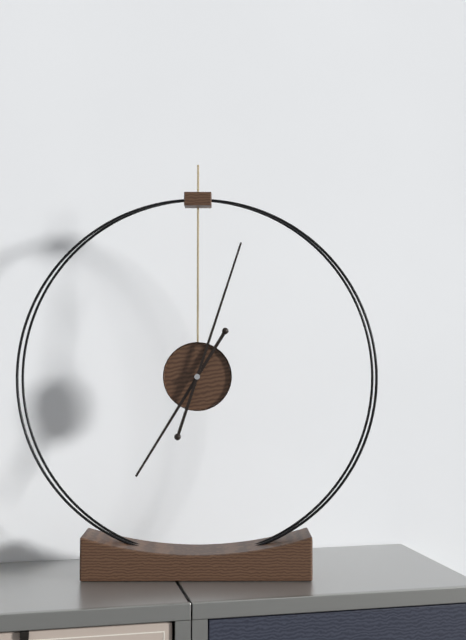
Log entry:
7h03
